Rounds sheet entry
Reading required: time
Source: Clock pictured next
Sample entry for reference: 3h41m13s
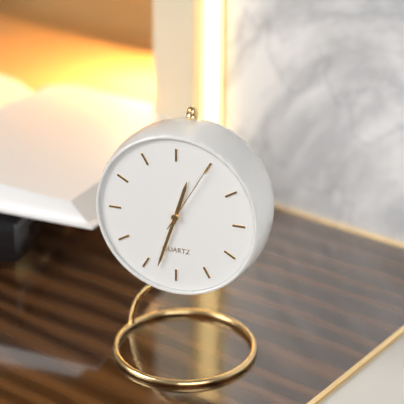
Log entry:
12h33m05s
